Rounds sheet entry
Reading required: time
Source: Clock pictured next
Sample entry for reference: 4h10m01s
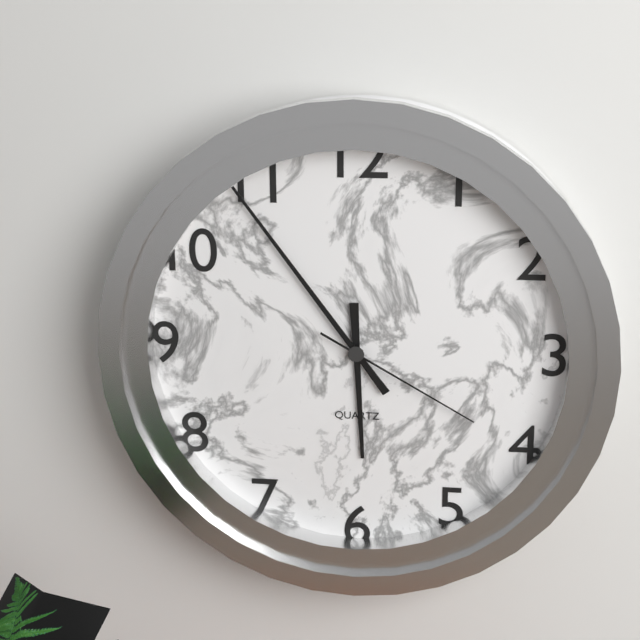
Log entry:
5h54m20s
